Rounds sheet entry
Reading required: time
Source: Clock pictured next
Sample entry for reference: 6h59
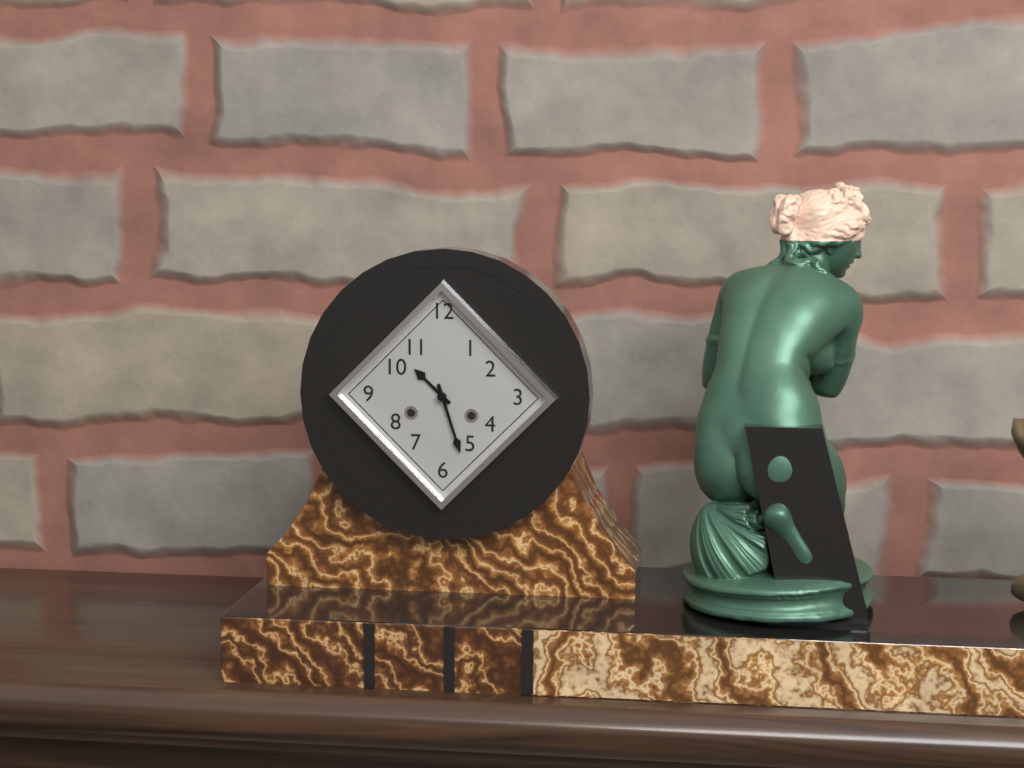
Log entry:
10h27
